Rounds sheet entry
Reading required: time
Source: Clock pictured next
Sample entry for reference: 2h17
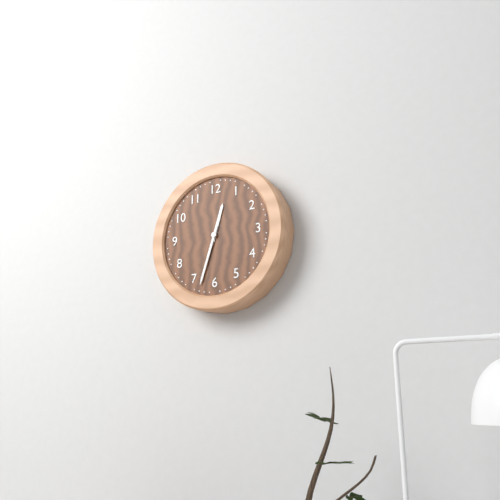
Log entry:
12h33
